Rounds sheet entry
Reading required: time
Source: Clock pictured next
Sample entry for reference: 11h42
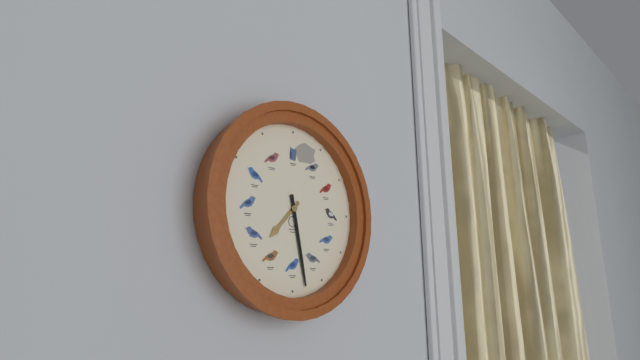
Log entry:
7h28
